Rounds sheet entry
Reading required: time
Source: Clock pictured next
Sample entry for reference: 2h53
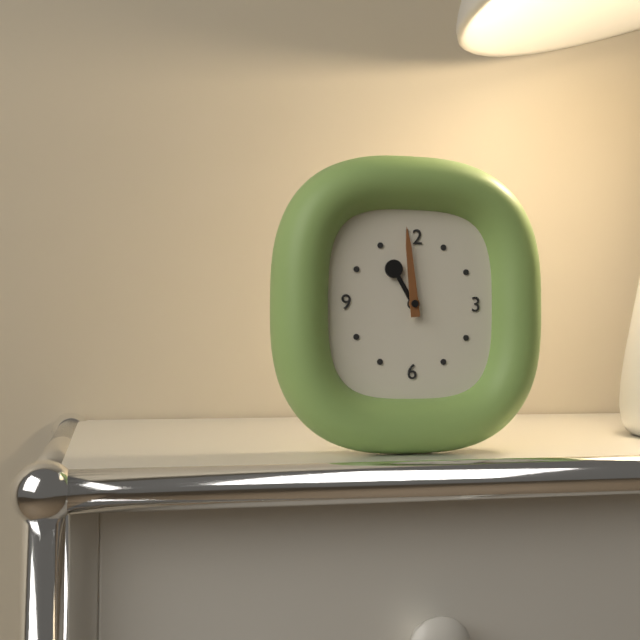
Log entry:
10h59
